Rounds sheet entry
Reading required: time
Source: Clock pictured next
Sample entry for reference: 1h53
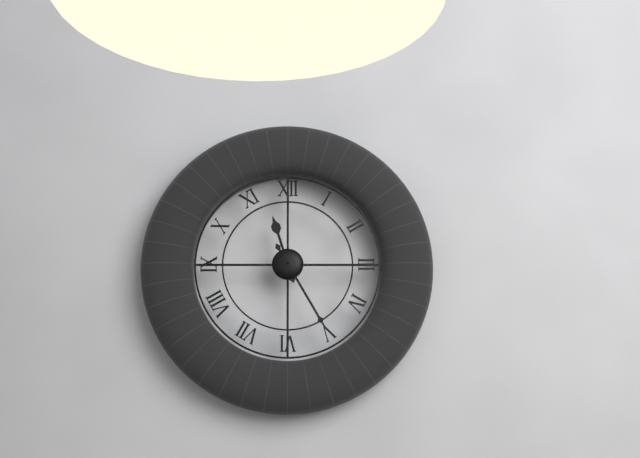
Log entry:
11h25
